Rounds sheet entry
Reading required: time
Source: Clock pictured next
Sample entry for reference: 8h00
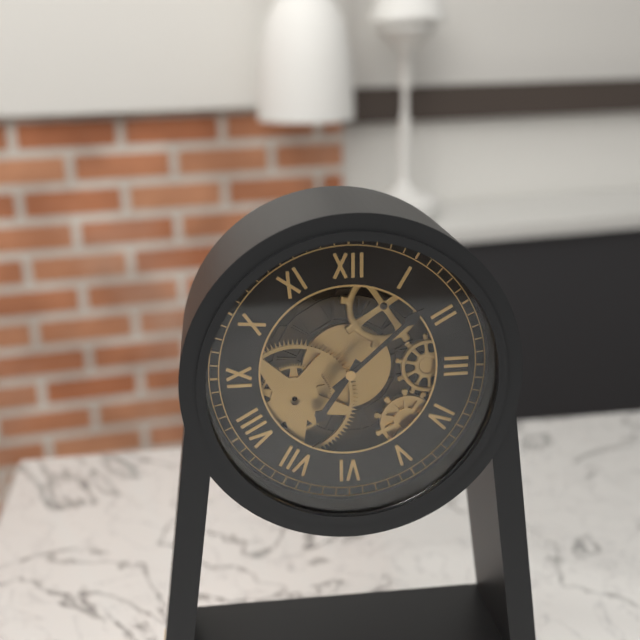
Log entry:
7h08
